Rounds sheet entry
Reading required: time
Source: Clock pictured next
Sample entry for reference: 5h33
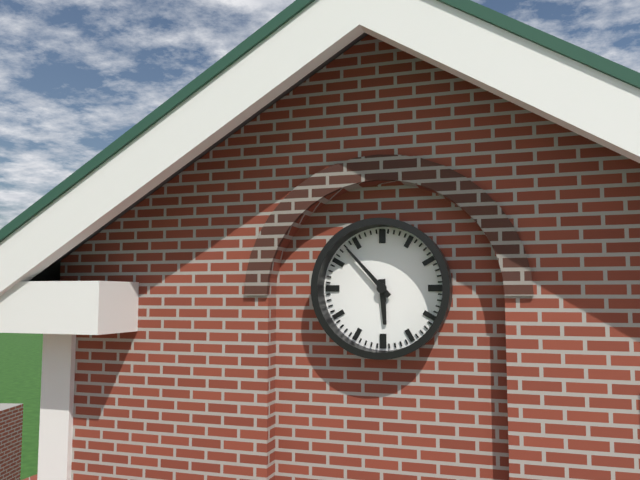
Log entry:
5h53
